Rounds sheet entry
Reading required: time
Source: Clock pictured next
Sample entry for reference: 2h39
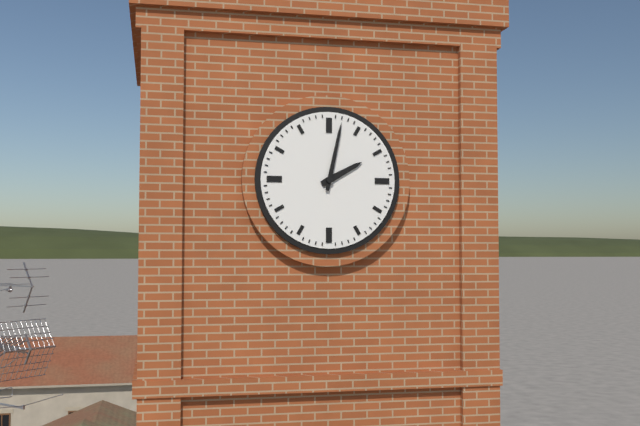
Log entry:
2h02
